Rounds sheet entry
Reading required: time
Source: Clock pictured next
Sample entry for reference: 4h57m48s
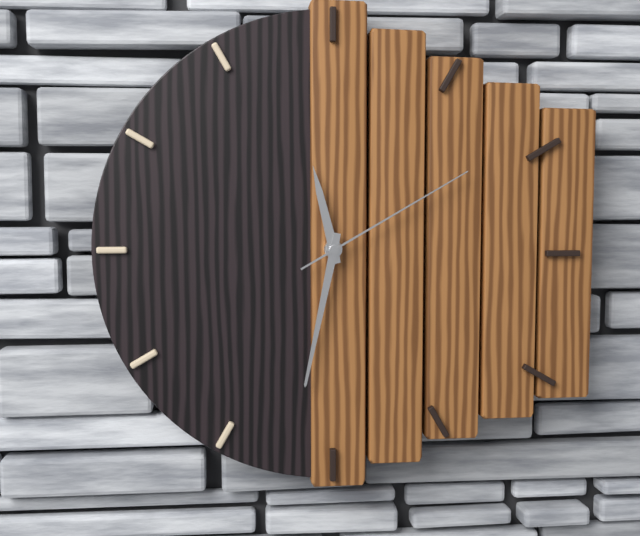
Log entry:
11h32m10s
